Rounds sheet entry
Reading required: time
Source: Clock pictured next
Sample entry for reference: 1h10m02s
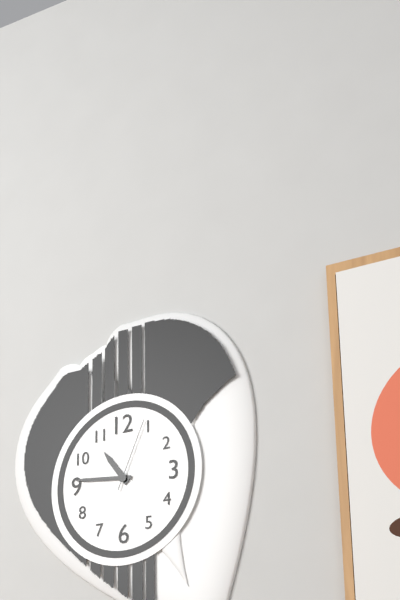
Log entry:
10h46m04s
